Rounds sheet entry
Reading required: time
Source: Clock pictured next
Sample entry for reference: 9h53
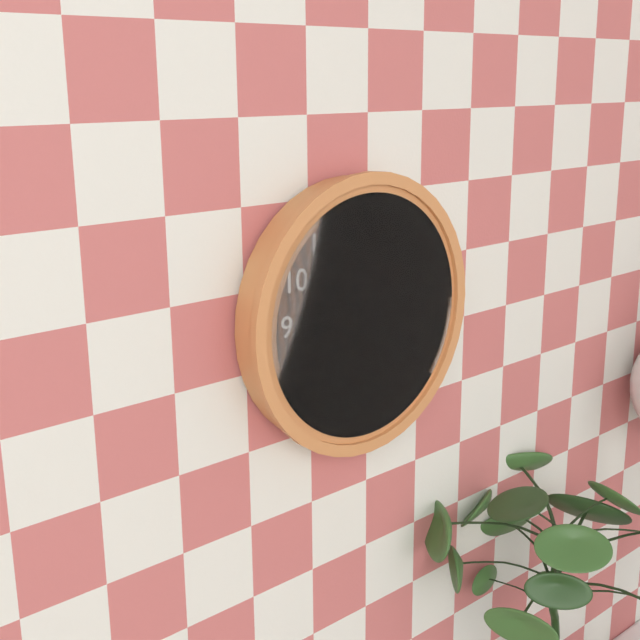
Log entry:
4h14
